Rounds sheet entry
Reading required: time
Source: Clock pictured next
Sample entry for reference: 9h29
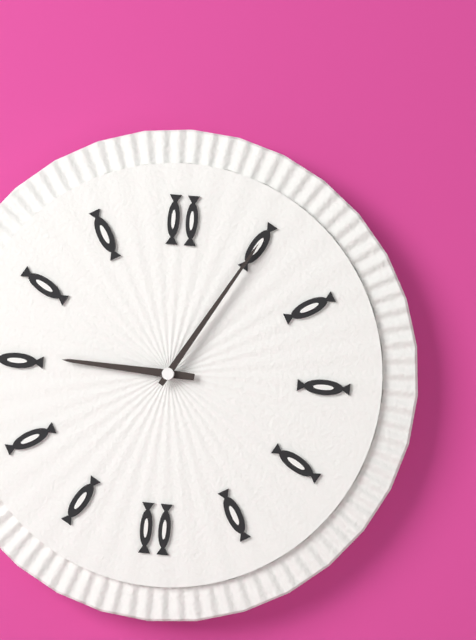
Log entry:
9h05
